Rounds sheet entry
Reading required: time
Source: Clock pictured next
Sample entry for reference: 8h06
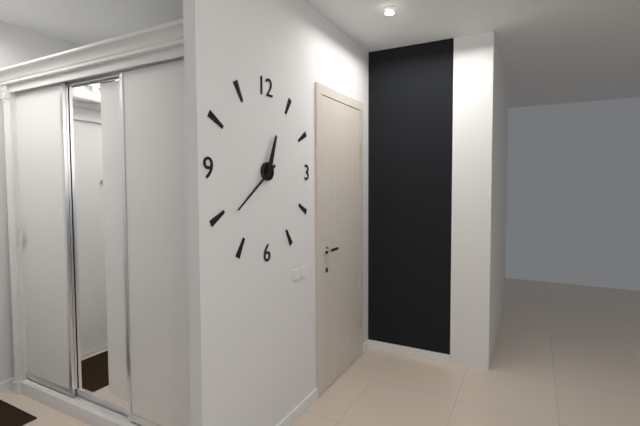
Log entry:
12h39
